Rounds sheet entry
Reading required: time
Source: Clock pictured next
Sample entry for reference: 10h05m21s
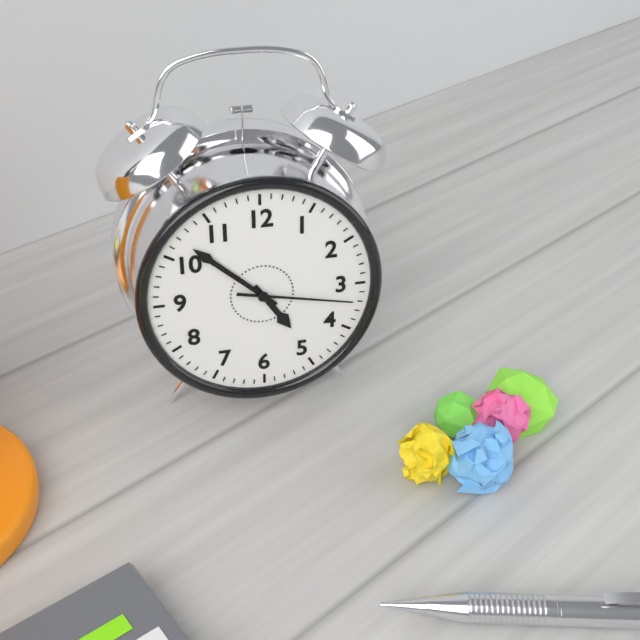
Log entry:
4h52m17s
